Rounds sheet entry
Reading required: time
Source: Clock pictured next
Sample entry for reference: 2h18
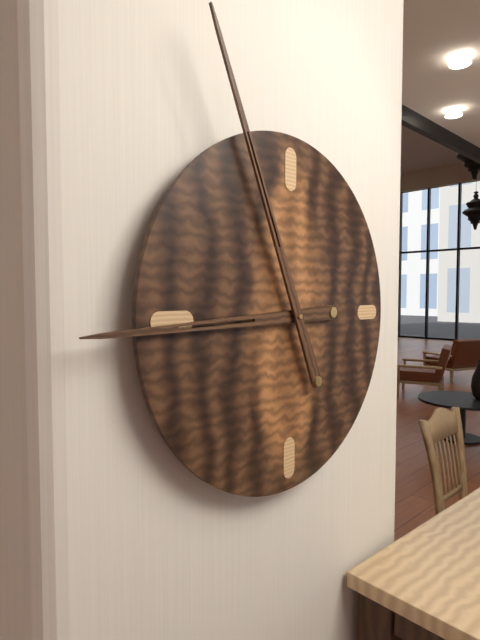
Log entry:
8h56
